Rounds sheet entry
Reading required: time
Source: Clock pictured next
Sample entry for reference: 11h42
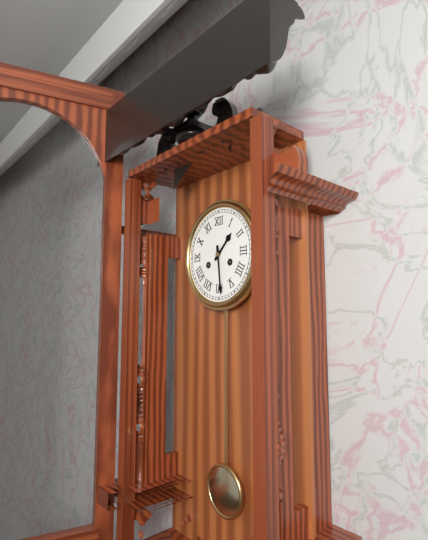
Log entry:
1h29
